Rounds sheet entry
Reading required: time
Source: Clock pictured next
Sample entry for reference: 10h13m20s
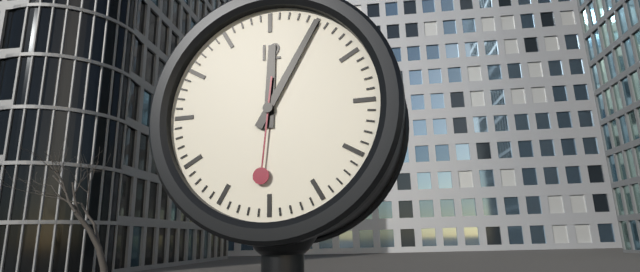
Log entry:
12h05m31s
